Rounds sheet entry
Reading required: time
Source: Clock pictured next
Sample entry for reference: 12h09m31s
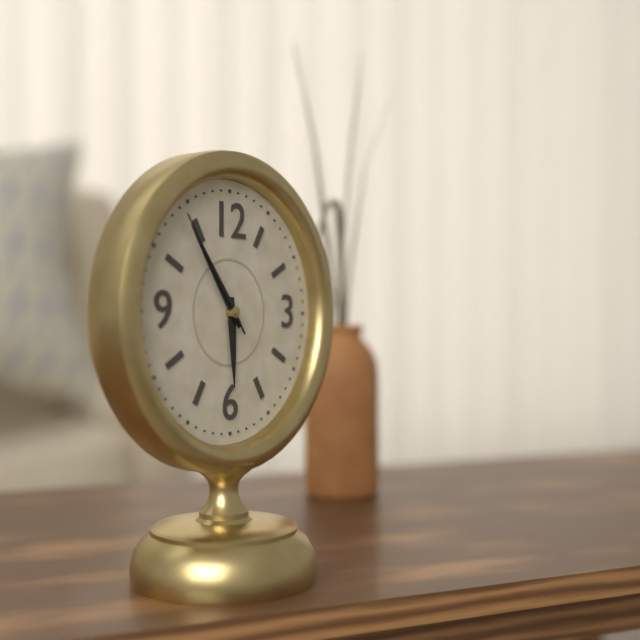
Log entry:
5h54m54s
